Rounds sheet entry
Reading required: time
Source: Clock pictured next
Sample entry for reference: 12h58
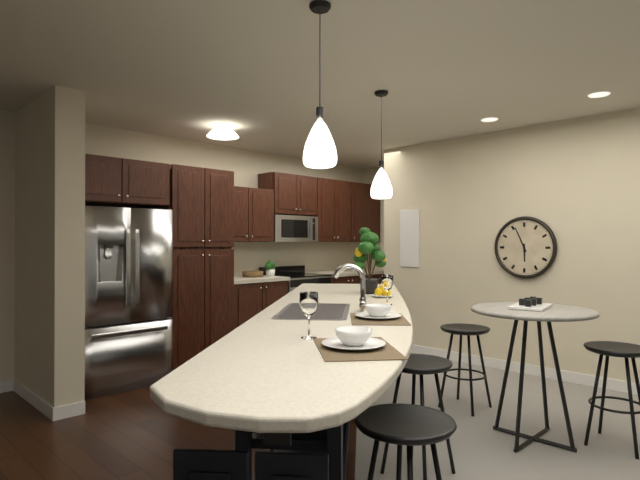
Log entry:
5h56
